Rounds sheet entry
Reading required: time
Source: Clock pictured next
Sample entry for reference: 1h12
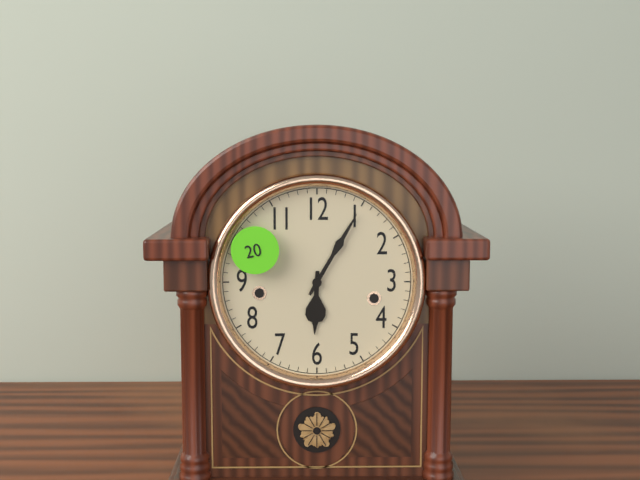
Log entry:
6h05
